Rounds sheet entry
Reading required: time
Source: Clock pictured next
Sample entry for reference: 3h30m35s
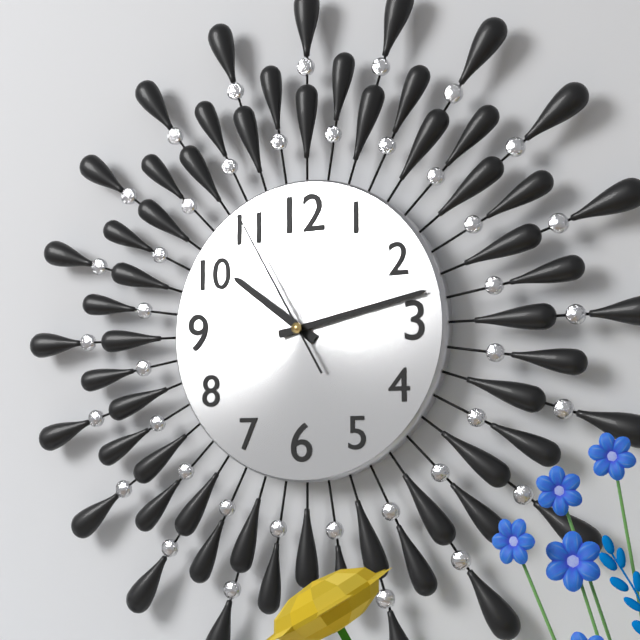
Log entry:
10h13m55s
